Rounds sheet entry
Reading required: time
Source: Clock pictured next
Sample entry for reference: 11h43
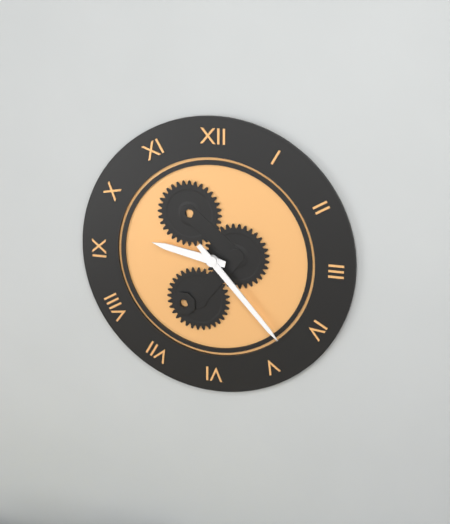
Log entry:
9h23
